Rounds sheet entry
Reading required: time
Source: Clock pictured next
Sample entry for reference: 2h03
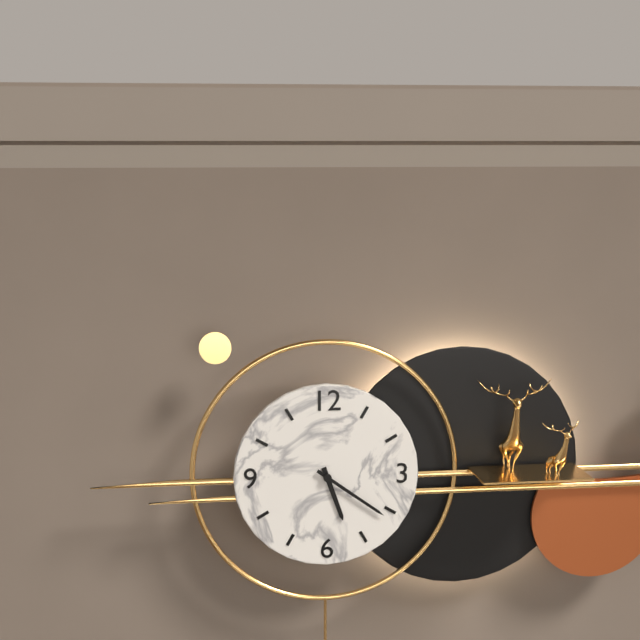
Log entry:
5h21
